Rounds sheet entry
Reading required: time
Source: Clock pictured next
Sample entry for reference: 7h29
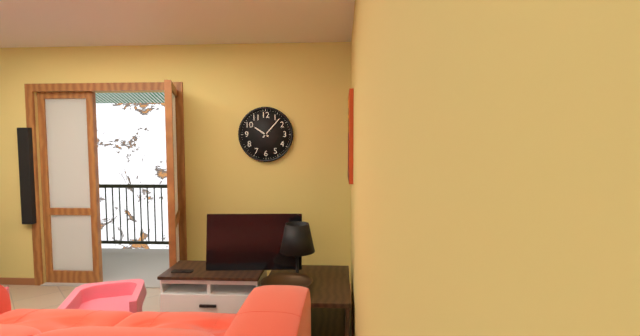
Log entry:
10h07
